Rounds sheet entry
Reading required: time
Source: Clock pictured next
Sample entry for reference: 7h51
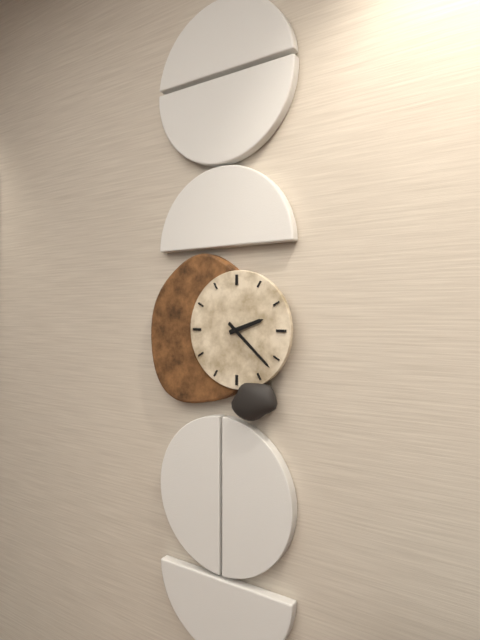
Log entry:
2h22
